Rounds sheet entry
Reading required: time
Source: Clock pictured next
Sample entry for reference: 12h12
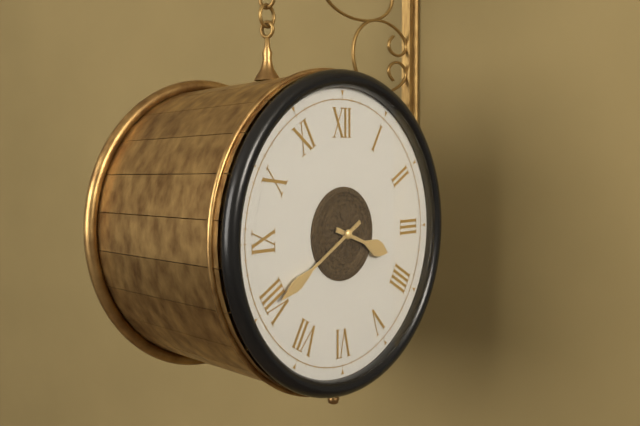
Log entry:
3h40
